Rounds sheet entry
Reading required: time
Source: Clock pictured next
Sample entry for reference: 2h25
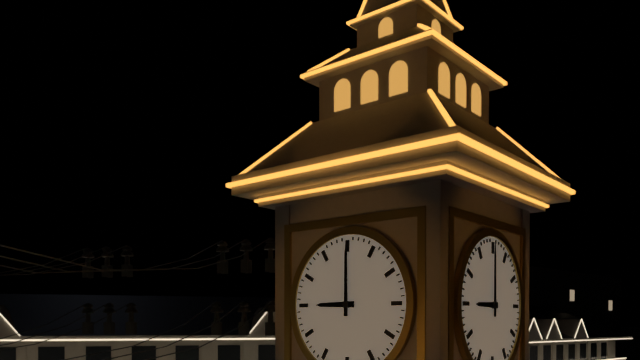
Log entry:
9h00
